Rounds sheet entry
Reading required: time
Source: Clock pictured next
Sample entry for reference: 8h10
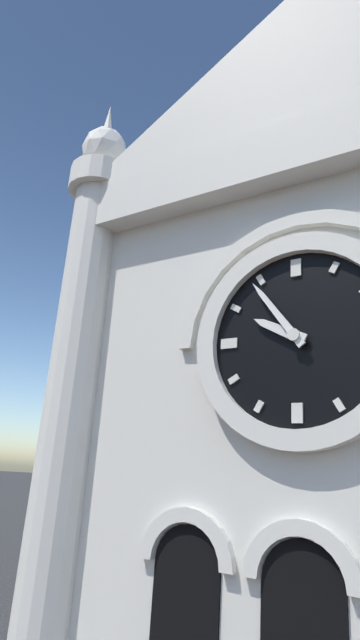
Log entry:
9h54
